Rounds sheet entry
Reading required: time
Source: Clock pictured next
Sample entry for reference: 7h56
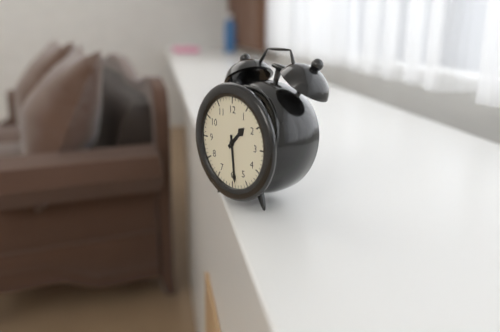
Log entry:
1h29
